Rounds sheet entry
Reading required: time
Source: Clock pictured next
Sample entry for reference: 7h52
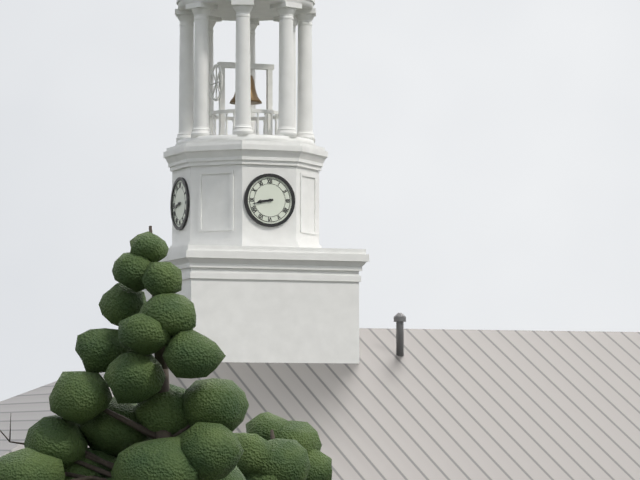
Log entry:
8h43
